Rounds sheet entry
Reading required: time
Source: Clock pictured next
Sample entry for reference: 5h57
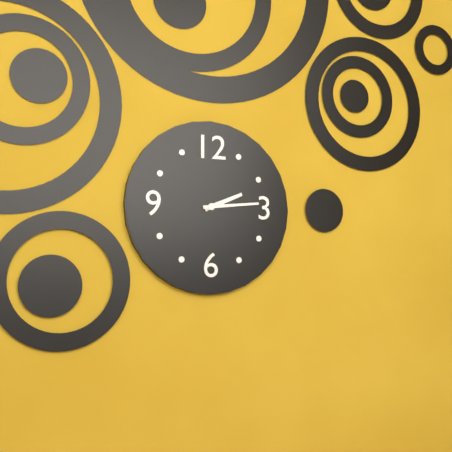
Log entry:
2h14
